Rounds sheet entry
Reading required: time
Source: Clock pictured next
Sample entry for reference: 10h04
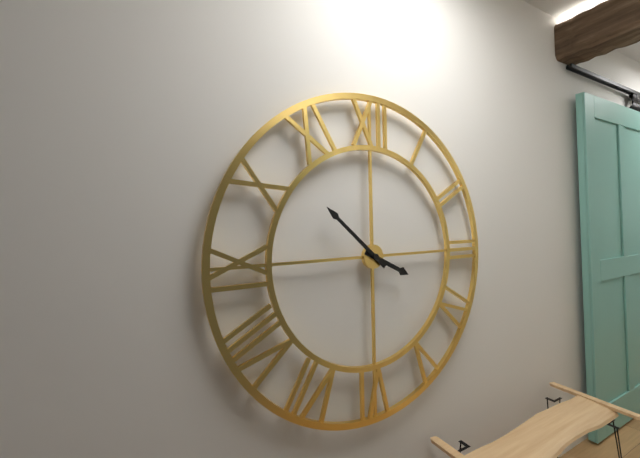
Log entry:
3h52
